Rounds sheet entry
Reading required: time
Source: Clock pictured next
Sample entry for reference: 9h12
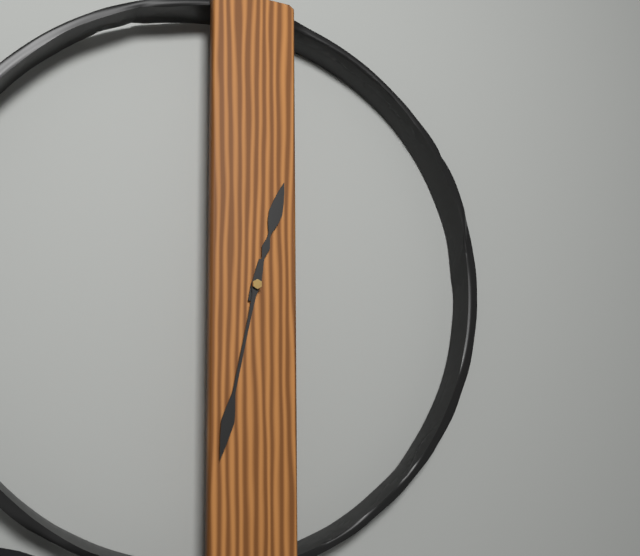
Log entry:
12h32
